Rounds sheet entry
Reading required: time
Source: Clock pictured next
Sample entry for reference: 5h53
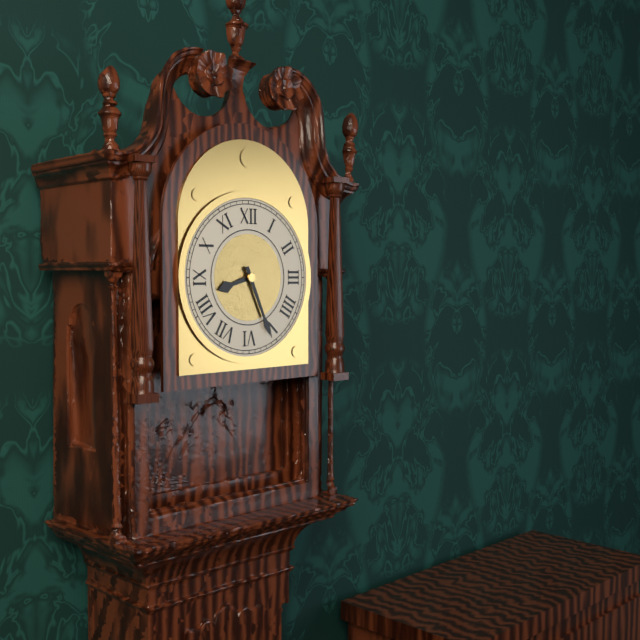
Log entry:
8h26
